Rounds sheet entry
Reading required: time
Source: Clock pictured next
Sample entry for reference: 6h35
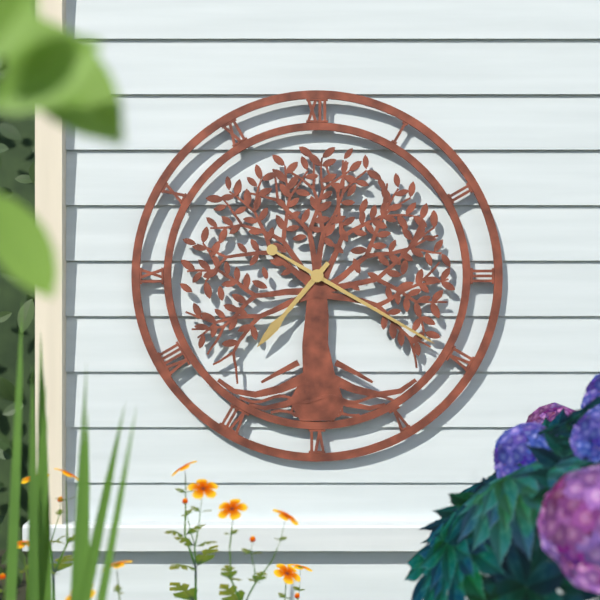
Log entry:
7h20
